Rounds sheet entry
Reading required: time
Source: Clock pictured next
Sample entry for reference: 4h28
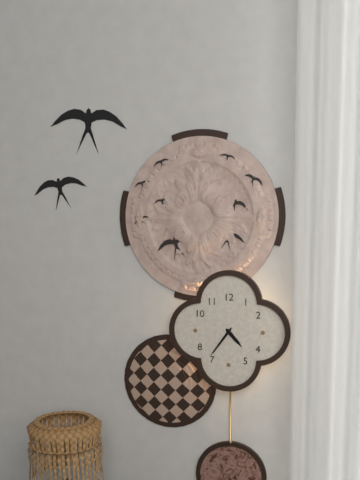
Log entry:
4h36
